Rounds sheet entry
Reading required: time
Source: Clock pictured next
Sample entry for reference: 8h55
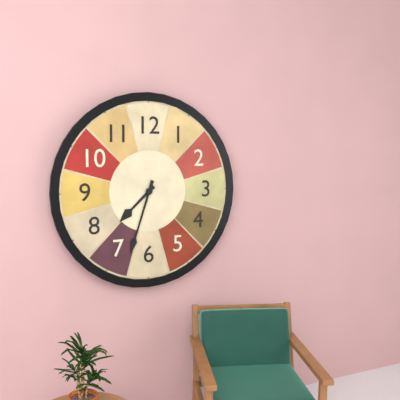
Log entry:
7h33
